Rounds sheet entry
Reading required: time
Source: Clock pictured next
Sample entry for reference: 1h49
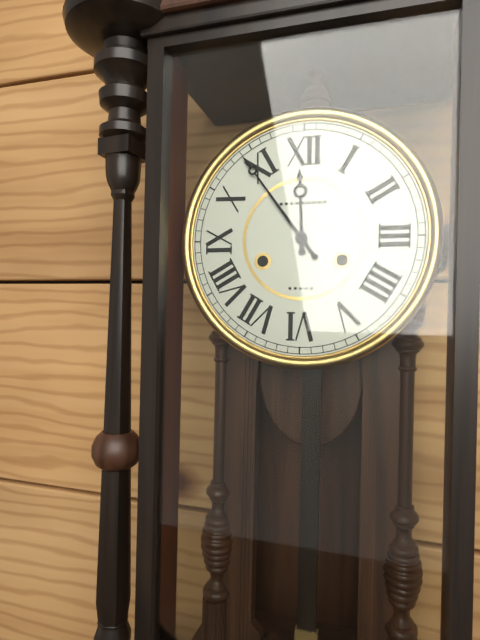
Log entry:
11h54
